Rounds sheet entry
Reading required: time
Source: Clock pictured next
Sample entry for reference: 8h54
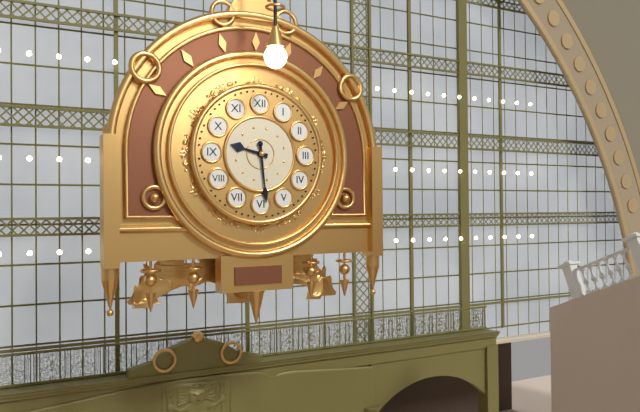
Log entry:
9h29
